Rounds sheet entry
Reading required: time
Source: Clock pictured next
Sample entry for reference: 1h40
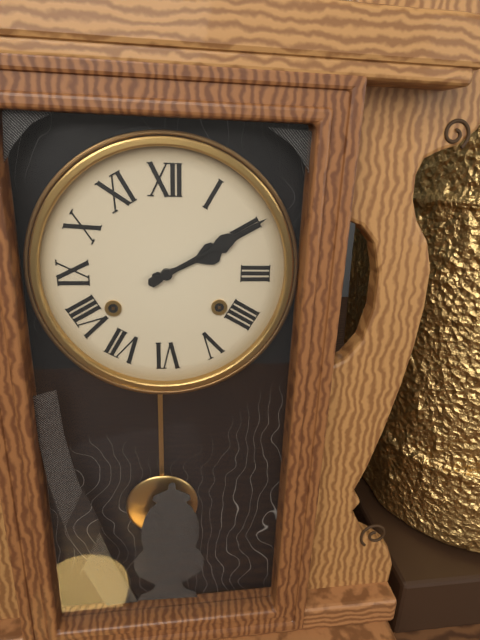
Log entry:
2h10
